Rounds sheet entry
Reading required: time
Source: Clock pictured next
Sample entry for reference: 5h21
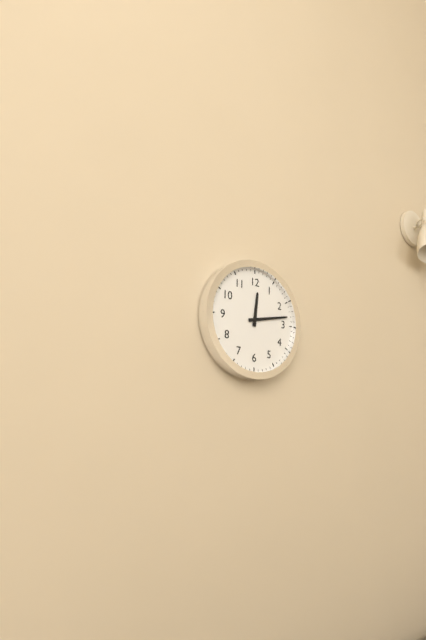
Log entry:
12h13
